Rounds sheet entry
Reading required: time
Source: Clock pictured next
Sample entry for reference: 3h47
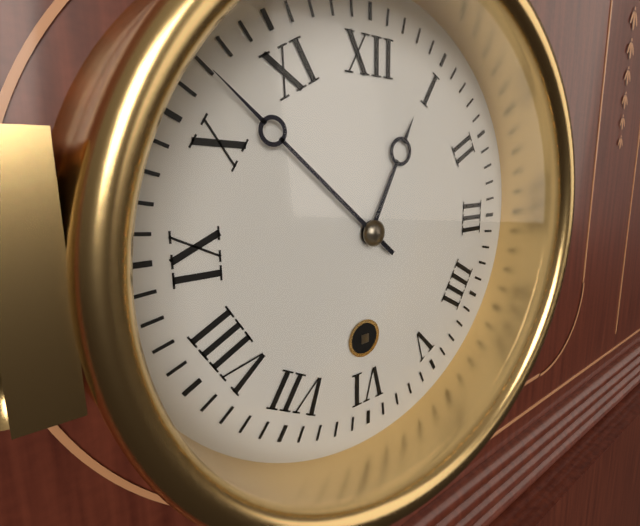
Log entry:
12h52
